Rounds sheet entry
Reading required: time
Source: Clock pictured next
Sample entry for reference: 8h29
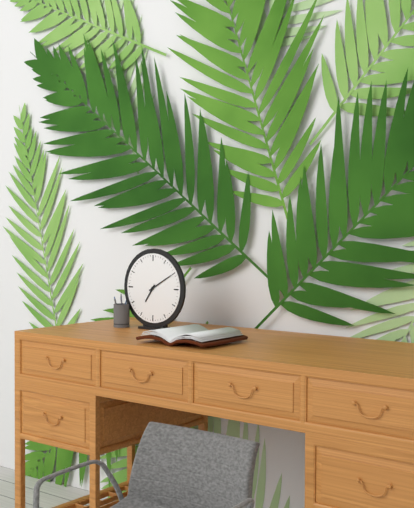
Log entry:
7h10
